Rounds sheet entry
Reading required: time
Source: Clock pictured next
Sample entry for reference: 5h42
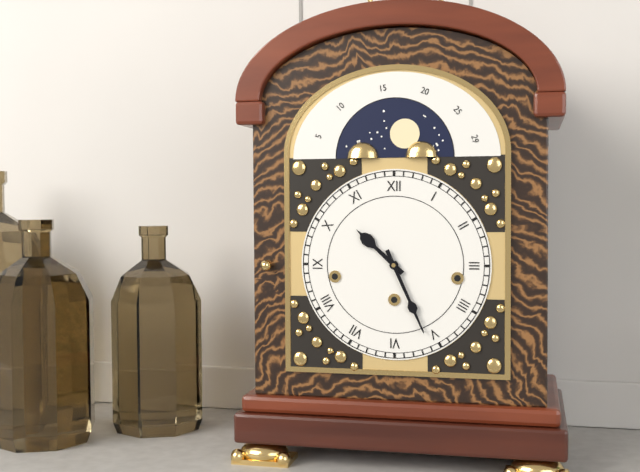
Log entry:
10h26
